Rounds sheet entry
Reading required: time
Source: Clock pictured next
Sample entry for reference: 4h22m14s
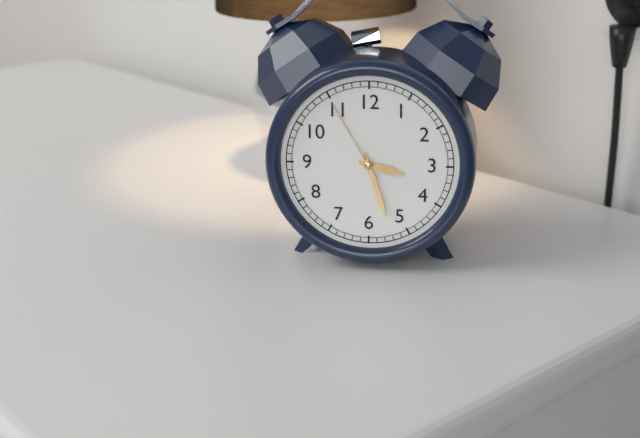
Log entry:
3h27m55s
